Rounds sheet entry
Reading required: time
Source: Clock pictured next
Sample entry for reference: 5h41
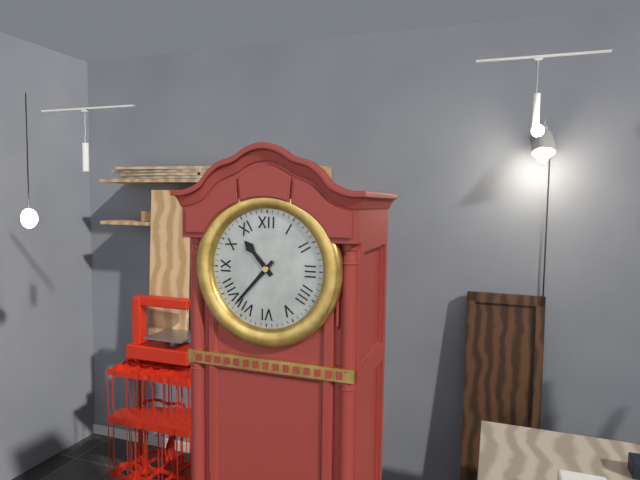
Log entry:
10h37
